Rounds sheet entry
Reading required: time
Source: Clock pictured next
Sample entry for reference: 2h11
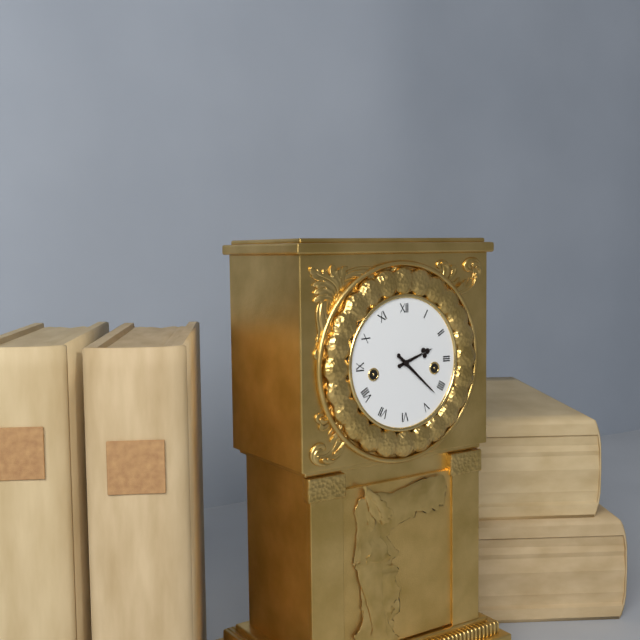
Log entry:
2h22
